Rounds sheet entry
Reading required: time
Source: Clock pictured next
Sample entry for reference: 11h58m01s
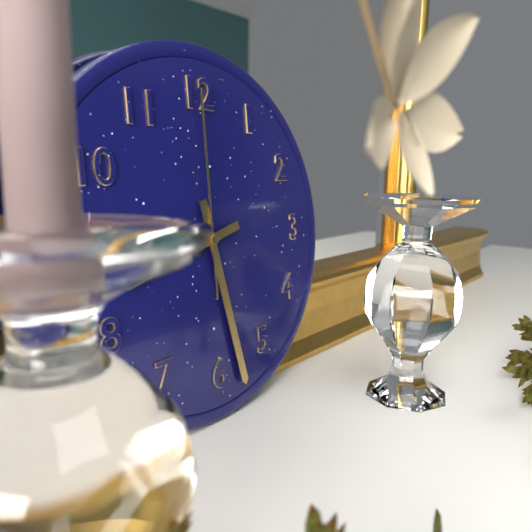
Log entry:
8h28m00s
